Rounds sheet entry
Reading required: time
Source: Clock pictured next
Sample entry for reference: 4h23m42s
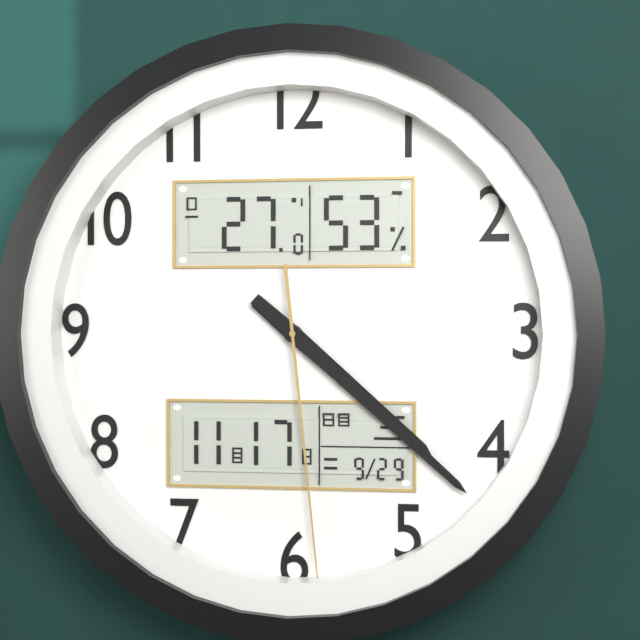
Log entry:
4h22m29s
